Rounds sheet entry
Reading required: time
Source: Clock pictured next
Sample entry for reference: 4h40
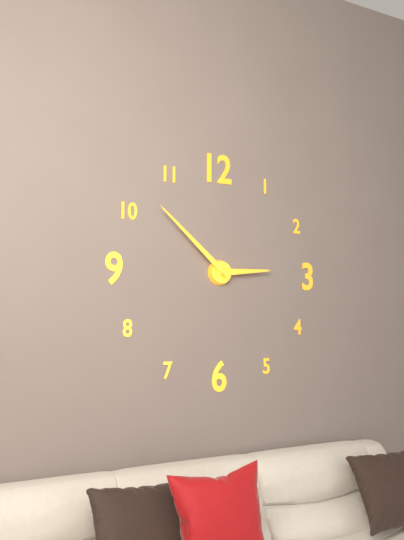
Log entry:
2h52
